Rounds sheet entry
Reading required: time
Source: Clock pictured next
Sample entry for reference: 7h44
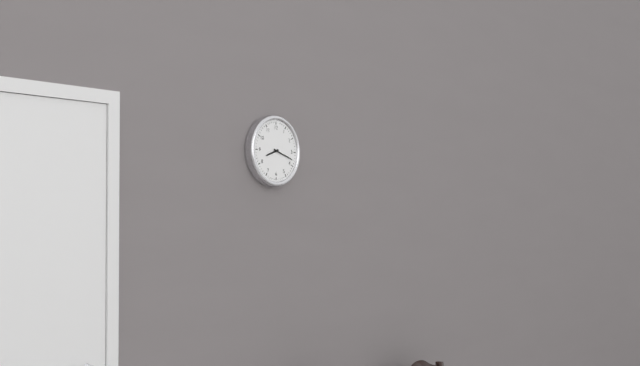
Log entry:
8h18
